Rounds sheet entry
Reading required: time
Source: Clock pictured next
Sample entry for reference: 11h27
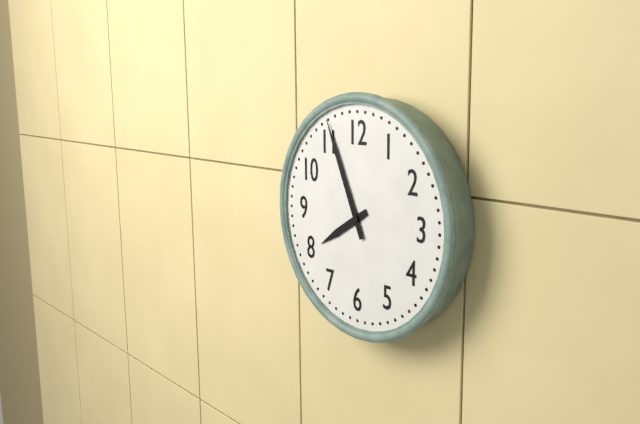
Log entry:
7h56
